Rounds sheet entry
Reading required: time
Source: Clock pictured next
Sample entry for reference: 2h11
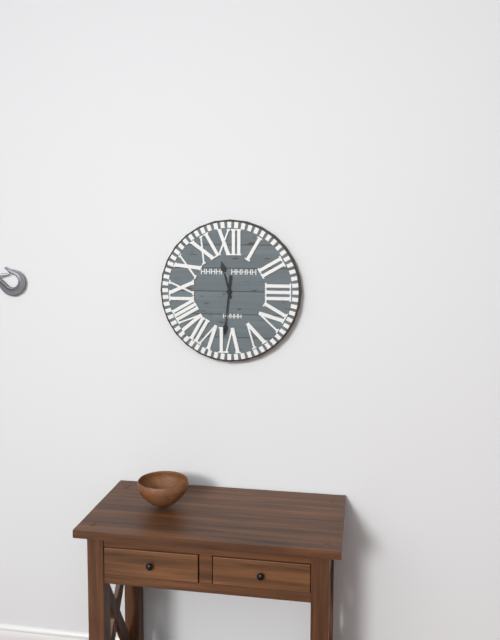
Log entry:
11h31
